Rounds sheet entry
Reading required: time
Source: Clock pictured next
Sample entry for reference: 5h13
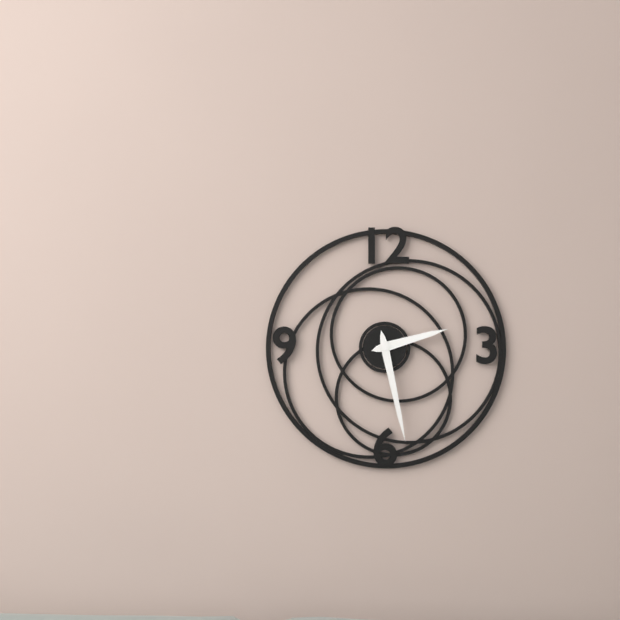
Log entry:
2h28
